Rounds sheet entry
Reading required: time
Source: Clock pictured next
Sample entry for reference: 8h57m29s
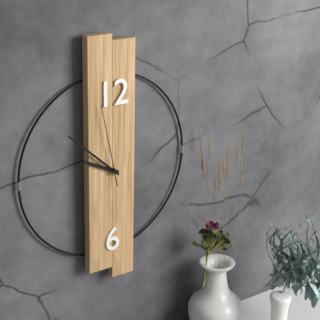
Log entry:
9h52m58s
